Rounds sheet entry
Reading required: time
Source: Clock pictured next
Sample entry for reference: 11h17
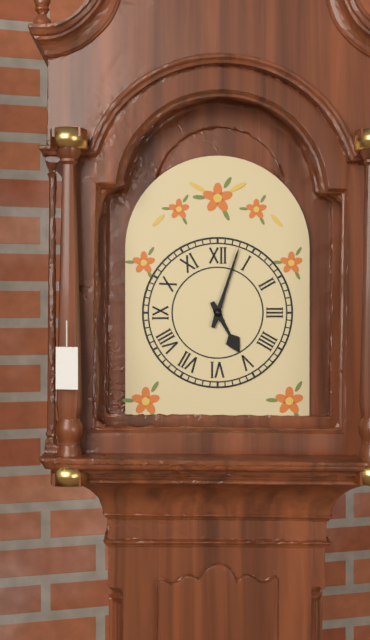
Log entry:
5h03
